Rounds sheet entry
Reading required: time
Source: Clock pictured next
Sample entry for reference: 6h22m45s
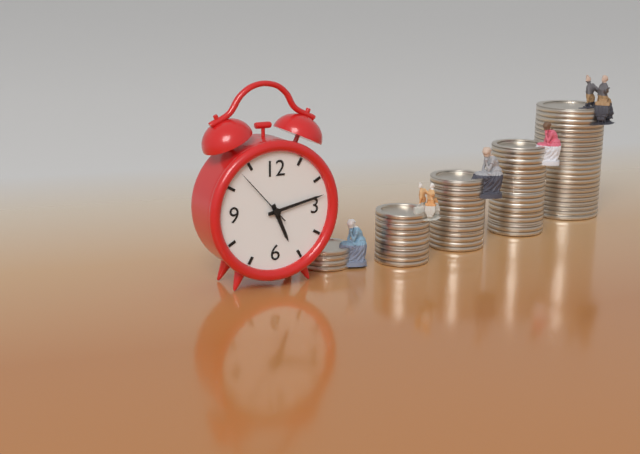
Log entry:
5h13m53s
